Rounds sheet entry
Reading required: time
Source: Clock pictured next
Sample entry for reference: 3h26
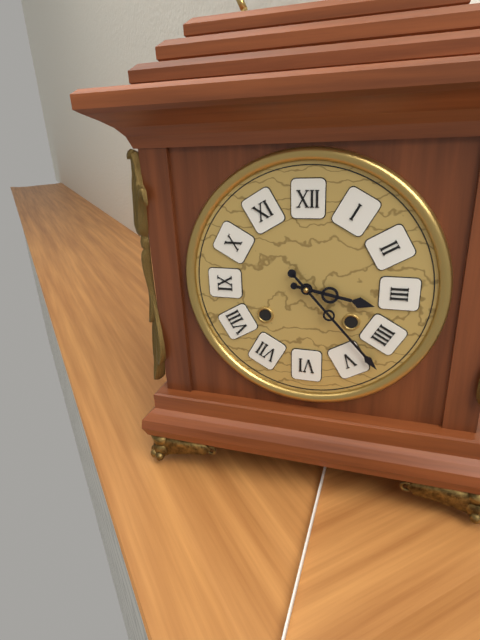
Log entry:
3h23
